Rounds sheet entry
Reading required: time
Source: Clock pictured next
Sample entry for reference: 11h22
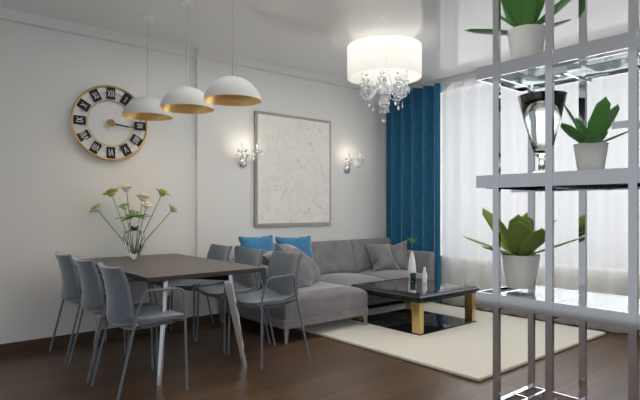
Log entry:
3h16
